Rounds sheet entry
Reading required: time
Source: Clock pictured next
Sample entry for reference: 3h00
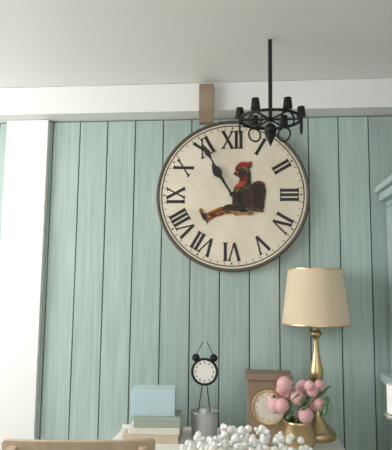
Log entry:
10h55
